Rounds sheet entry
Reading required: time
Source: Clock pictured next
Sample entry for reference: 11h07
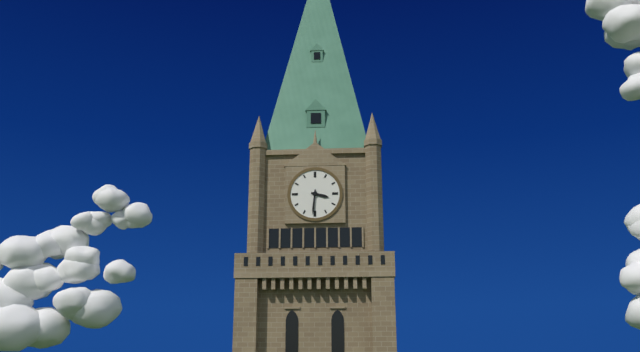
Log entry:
3h31
